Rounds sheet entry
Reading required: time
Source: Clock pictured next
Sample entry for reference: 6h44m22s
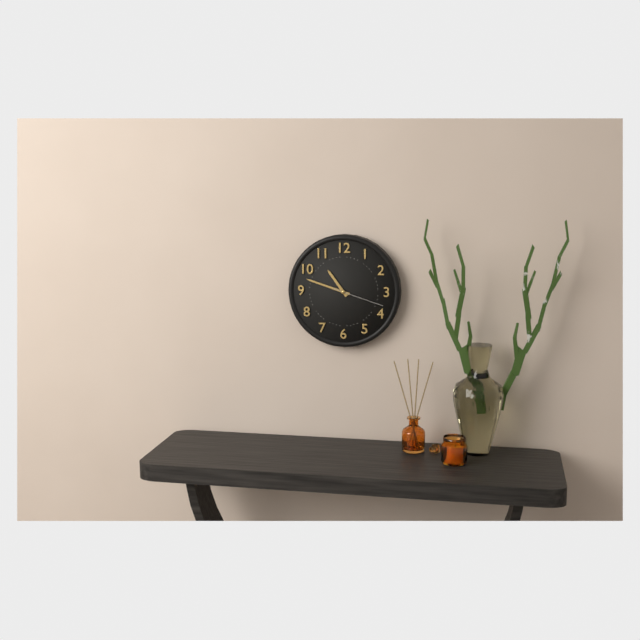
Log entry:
10h48m18s
